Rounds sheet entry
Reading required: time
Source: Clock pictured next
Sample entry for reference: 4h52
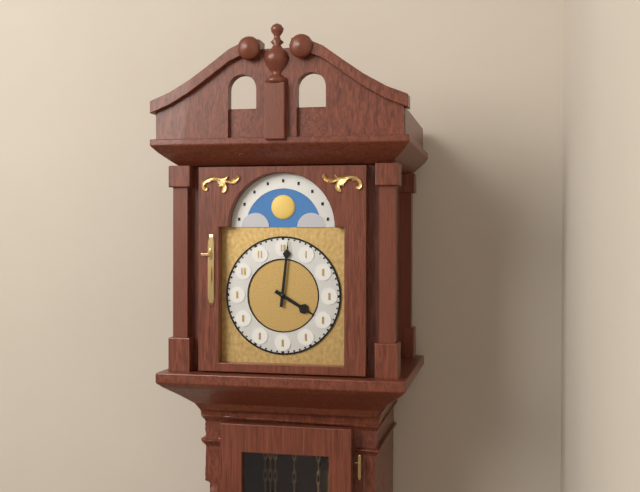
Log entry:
4h01
